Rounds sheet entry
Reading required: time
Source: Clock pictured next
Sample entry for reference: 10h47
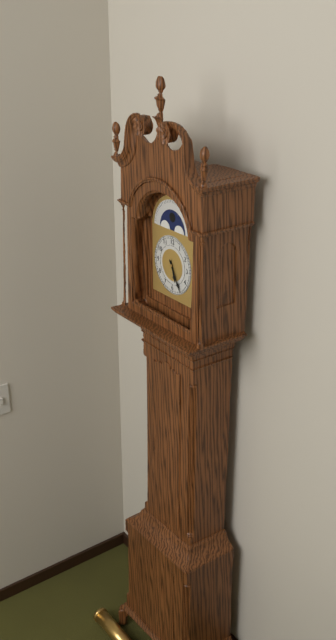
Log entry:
5h25
